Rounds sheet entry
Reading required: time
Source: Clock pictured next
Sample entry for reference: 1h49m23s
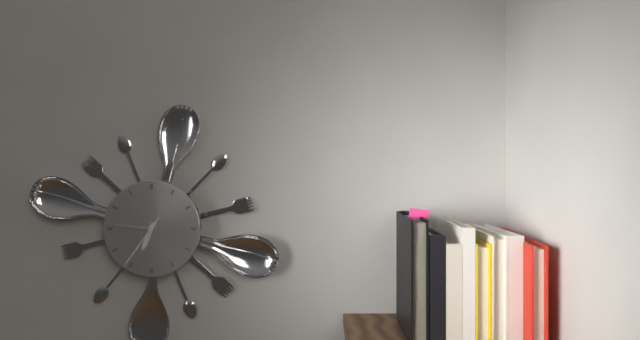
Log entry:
6h46m36s
